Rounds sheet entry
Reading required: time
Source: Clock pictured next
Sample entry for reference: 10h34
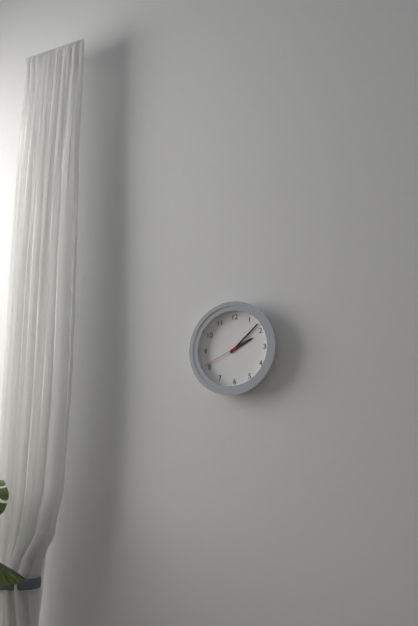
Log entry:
2h08
